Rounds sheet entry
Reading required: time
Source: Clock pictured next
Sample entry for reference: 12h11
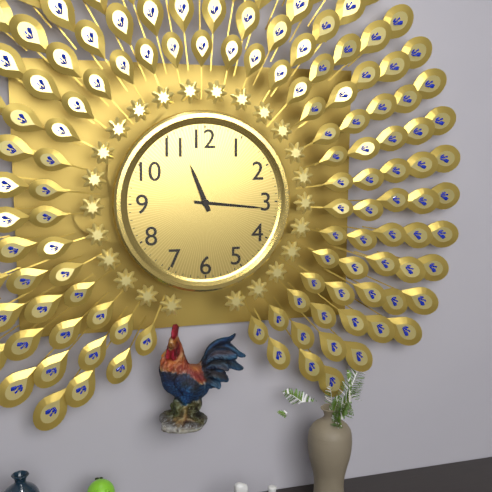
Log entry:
11h16
